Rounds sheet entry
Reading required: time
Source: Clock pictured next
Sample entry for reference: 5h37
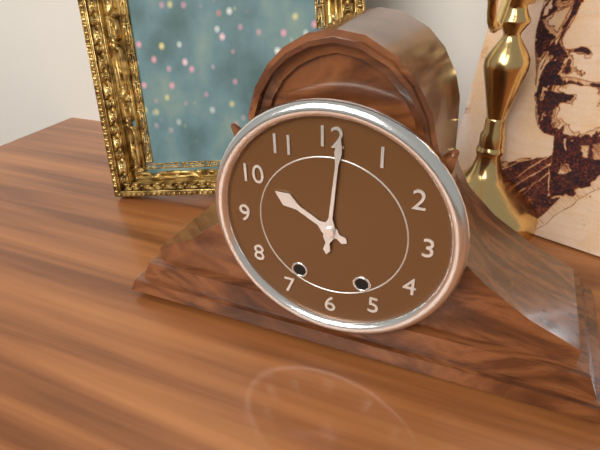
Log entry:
10h01
